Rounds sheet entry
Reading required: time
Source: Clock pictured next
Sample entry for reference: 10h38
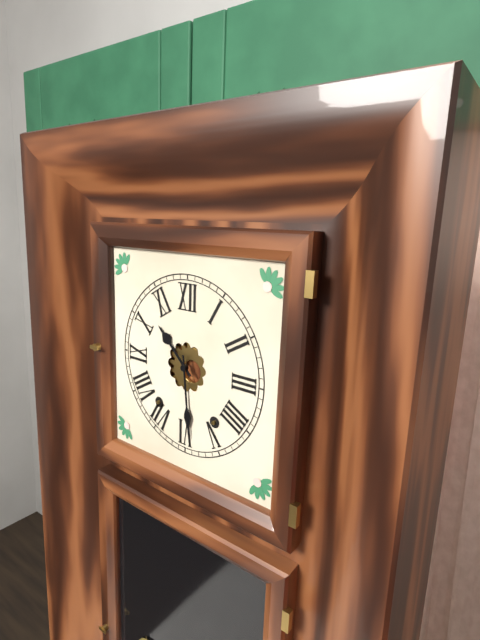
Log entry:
10h29
